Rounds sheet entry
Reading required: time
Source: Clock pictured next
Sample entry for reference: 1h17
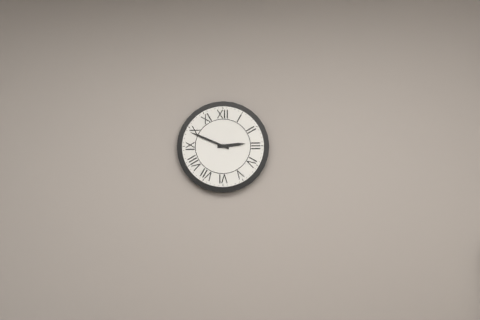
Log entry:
2h49
